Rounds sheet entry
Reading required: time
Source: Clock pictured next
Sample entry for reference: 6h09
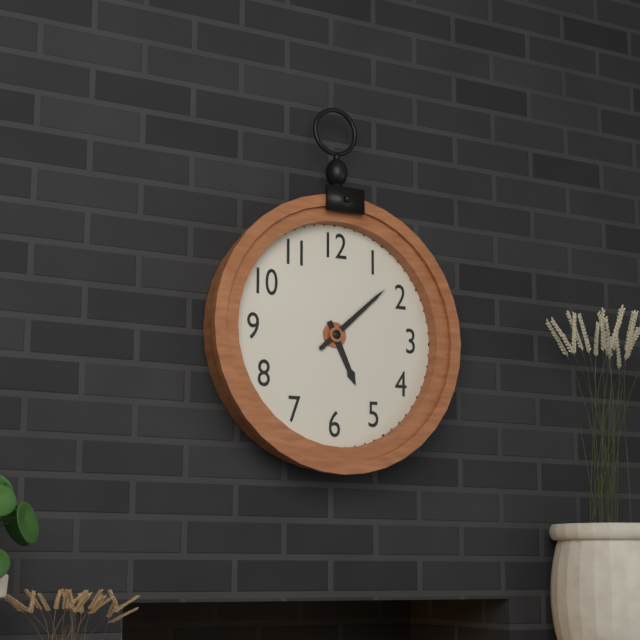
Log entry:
5h08
